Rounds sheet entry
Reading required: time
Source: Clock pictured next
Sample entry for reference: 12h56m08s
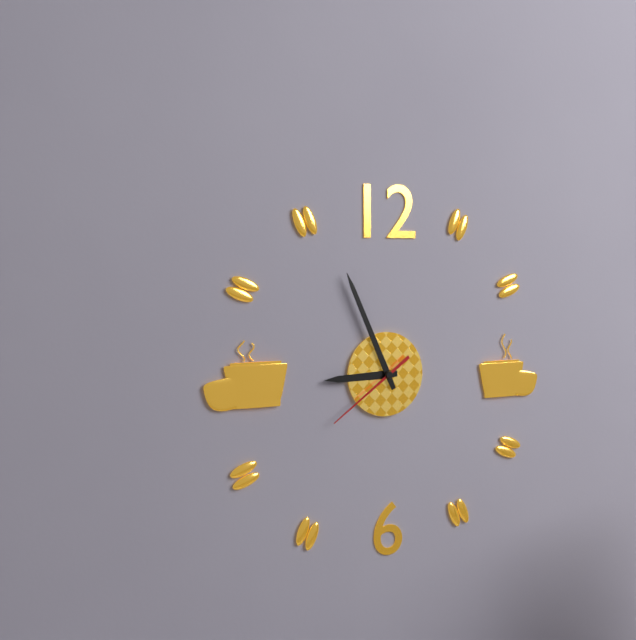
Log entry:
8h56m39s
